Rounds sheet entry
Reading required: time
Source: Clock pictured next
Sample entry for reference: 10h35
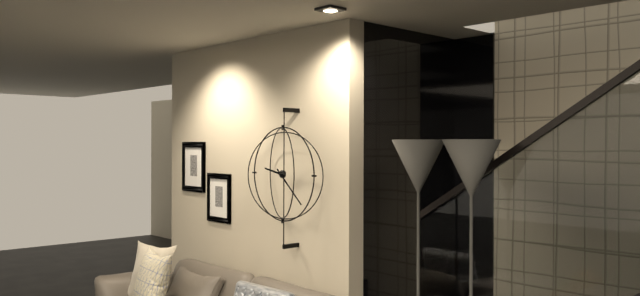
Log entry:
9h22
